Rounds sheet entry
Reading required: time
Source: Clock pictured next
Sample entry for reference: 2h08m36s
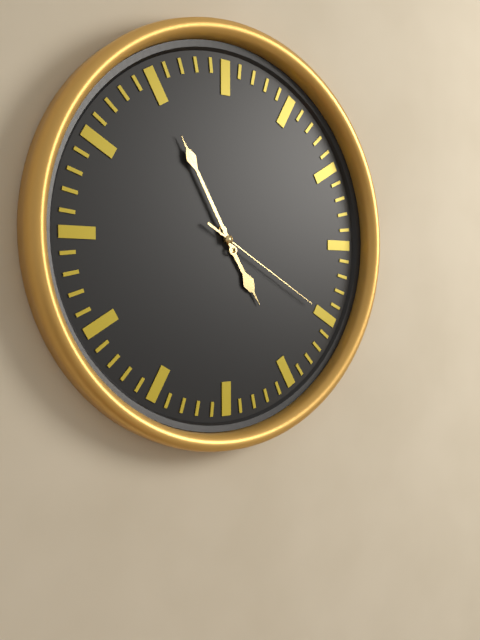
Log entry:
4h55m20s
